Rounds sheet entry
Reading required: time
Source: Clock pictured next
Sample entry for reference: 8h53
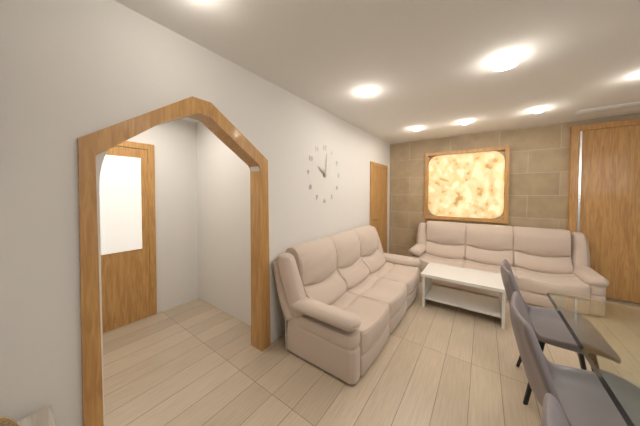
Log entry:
10h01
